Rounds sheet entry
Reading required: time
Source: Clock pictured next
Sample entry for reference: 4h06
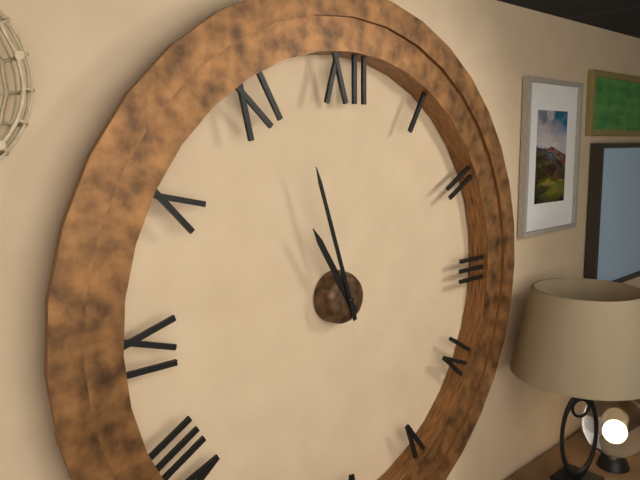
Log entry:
10h57
